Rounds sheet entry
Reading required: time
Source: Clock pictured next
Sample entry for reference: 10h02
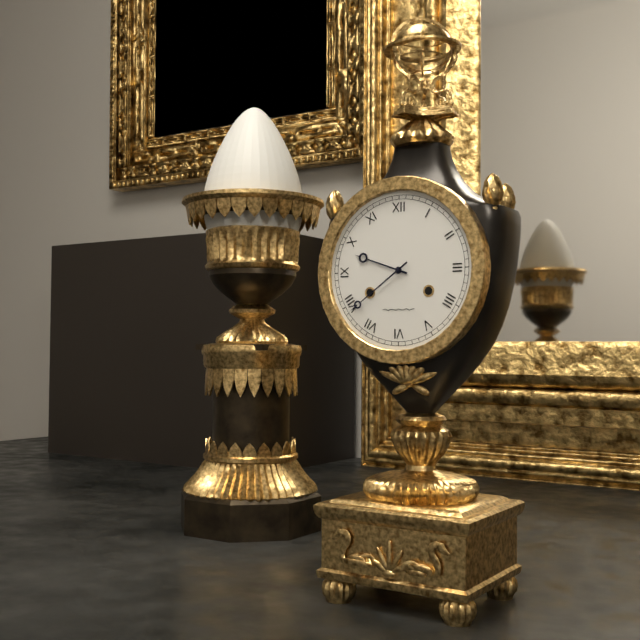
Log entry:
9h39
